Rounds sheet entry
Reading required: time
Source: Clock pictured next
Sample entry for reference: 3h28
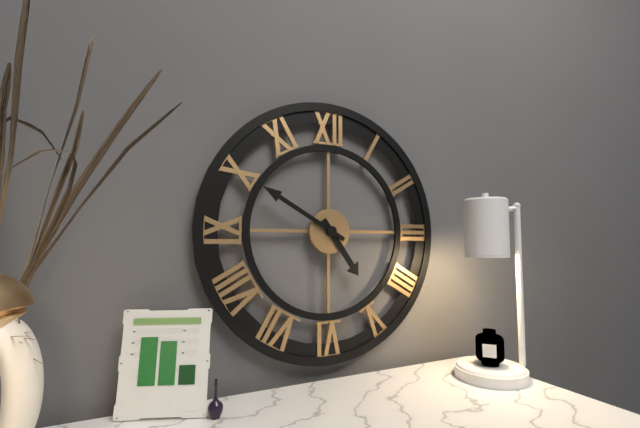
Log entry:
4h50
